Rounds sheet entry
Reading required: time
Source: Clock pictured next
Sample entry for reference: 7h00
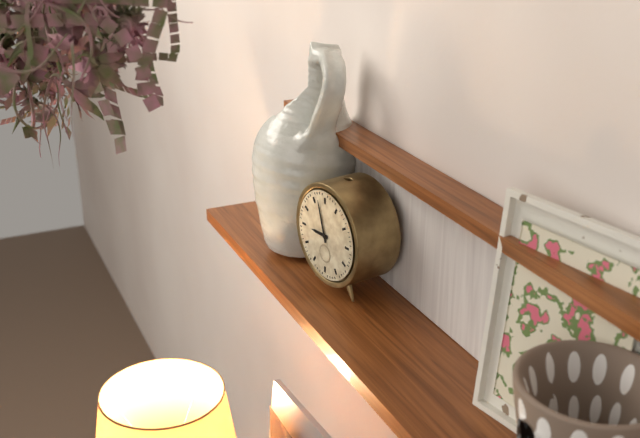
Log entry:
8h57
